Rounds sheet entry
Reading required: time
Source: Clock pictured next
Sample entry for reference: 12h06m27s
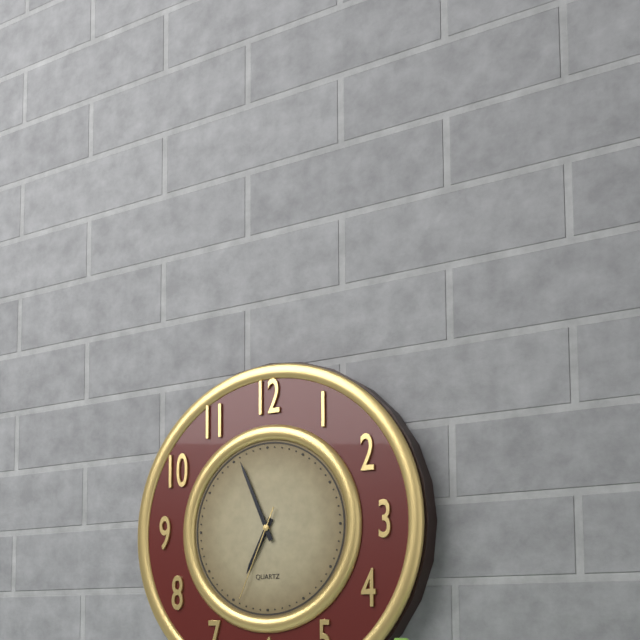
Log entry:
6h56m34s
